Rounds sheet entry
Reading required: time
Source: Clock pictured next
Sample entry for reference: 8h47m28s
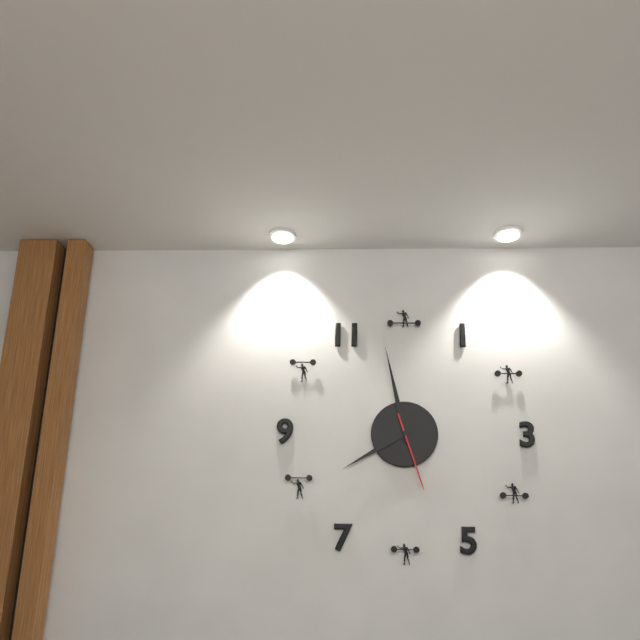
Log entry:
7h58m27s
